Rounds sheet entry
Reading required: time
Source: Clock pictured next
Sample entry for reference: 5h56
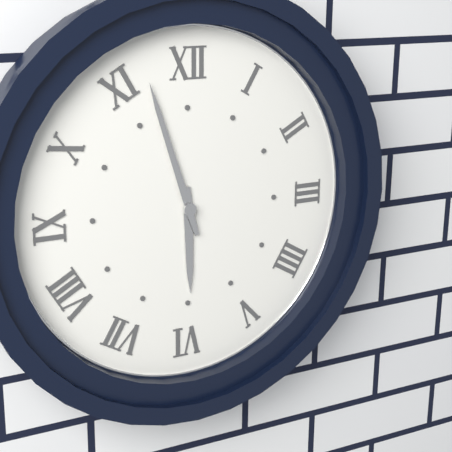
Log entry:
5h57
